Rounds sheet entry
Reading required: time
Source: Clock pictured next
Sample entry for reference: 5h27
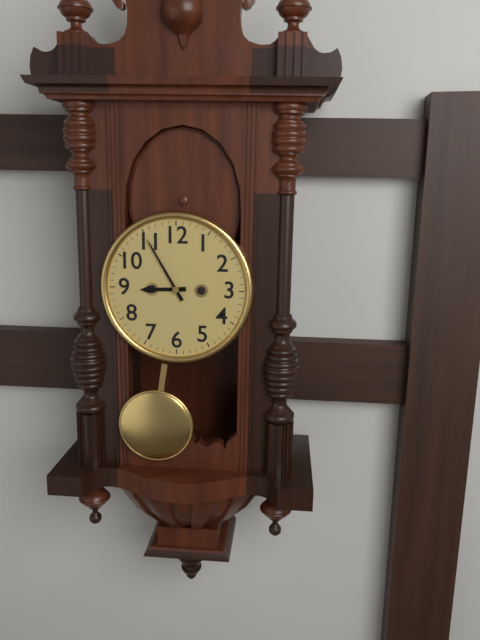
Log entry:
8h55
